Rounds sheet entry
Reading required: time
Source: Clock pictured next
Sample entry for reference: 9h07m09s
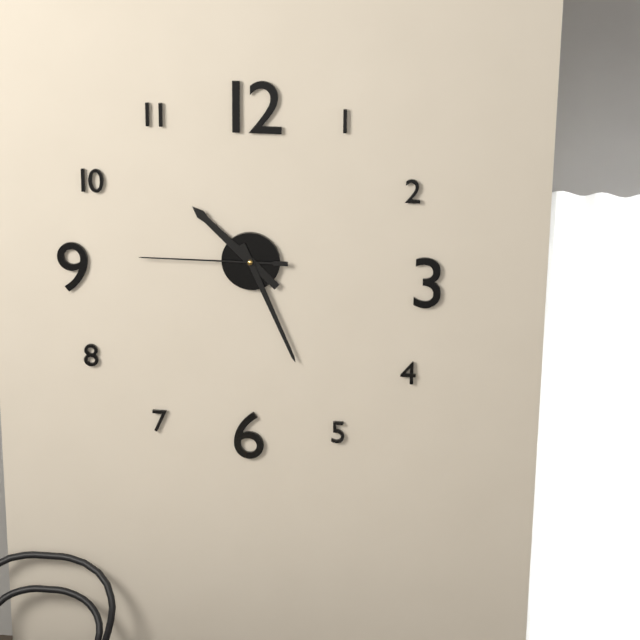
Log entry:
10h26m45s
